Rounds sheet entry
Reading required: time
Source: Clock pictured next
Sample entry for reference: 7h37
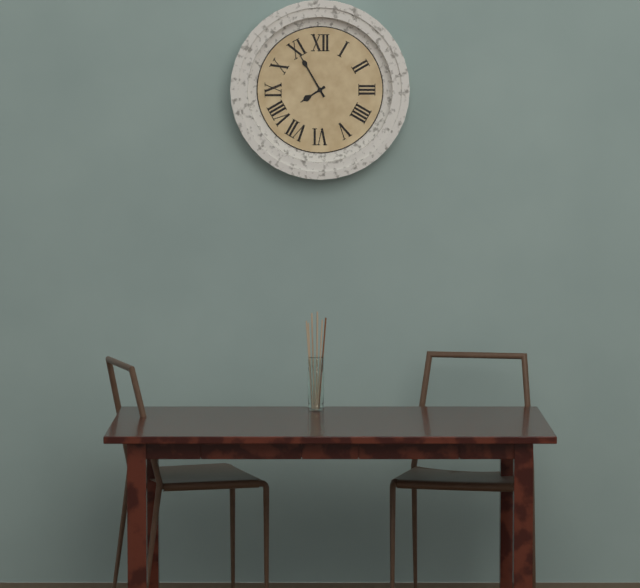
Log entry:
7h55
